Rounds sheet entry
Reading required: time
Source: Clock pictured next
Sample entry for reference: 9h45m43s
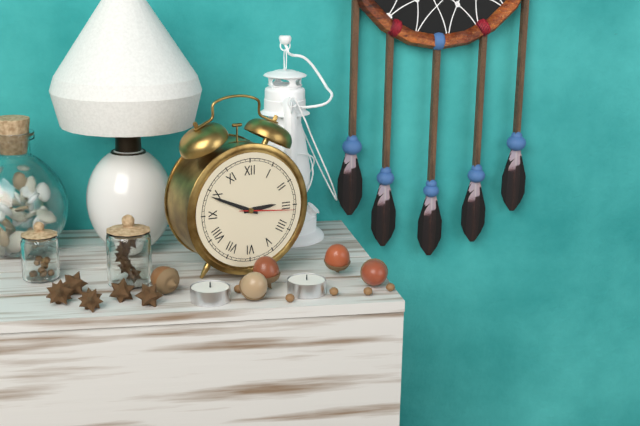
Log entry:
2h49m16s
